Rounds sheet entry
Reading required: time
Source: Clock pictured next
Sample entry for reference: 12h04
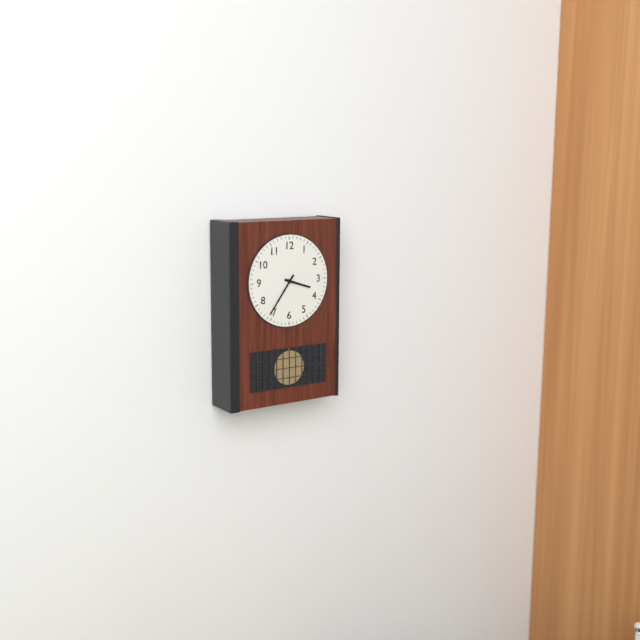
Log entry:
3h36
